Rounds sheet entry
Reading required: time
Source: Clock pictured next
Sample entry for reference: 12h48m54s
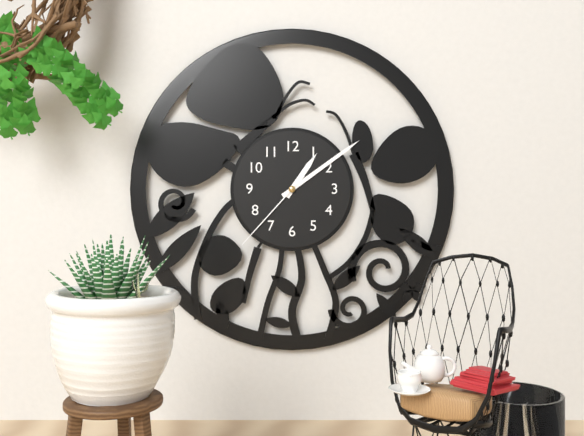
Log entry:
1h09m37s
